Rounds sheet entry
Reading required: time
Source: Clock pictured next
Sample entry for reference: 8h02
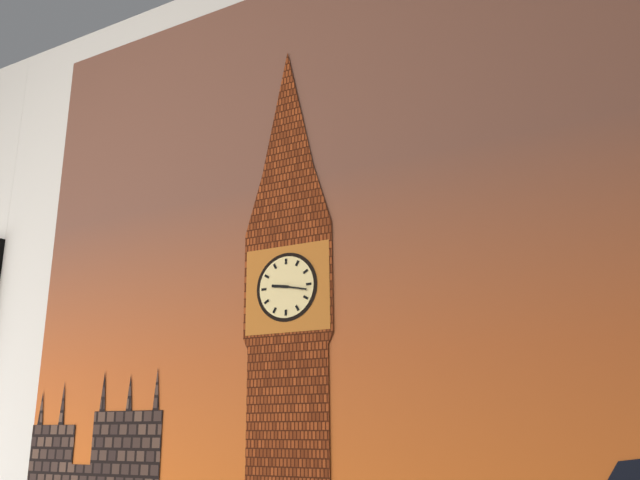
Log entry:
9h17
